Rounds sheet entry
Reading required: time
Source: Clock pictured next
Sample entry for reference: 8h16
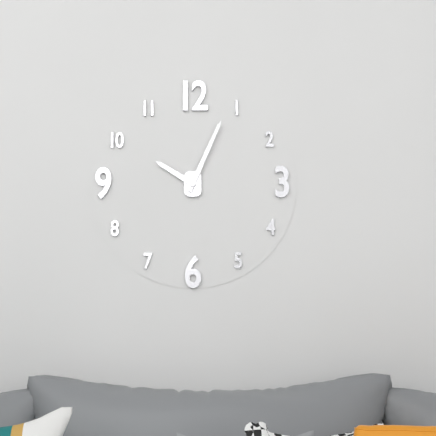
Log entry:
10h04
